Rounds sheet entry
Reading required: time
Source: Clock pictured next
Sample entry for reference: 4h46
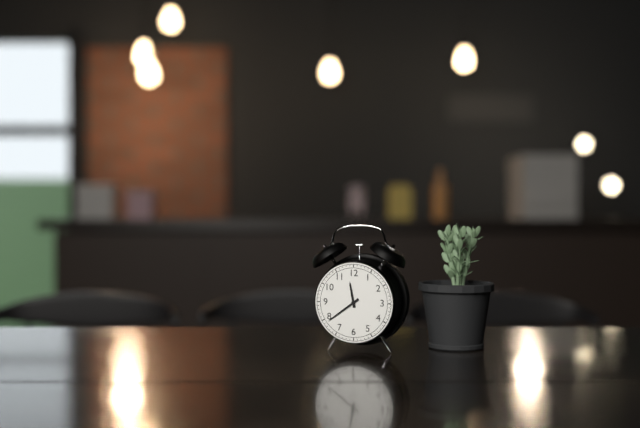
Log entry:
11h39
